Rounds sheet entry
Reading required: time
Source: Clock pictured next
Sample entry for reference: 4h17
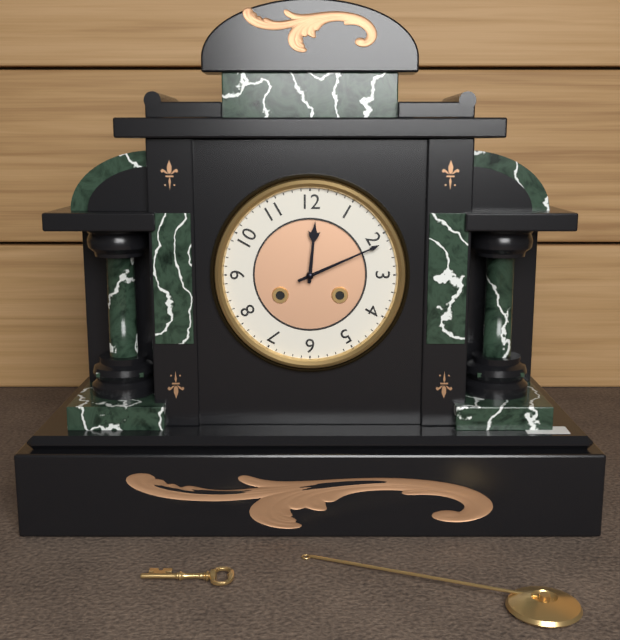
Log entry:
12h11
